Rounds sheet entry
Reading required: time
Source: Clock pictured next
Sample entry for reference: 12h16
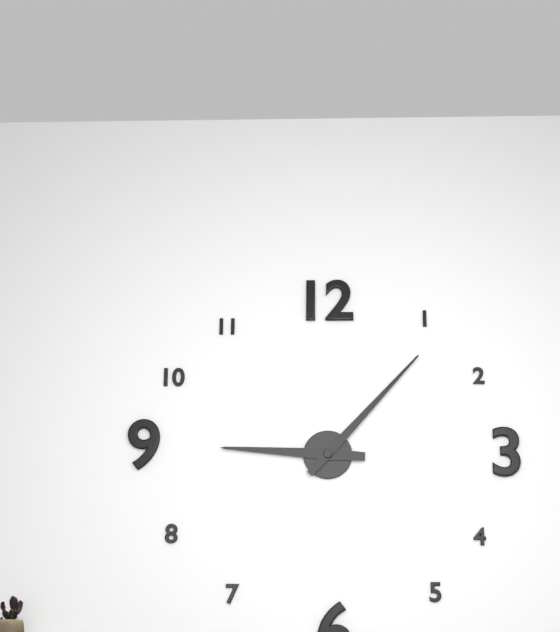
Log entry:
9h07
